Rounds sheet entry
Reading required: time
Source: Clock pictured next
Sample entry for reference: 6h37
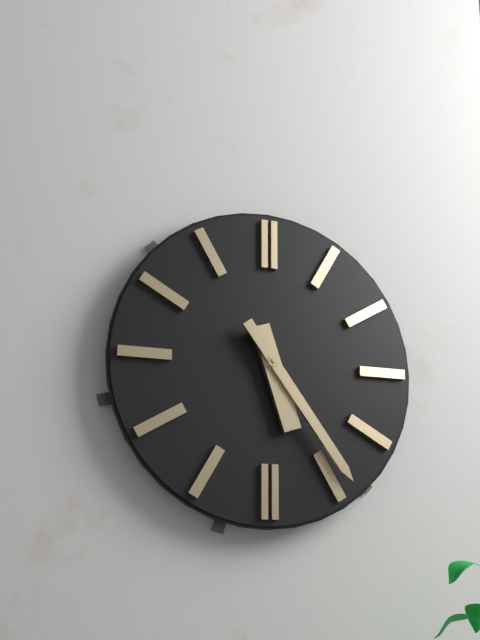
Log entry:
5h24
